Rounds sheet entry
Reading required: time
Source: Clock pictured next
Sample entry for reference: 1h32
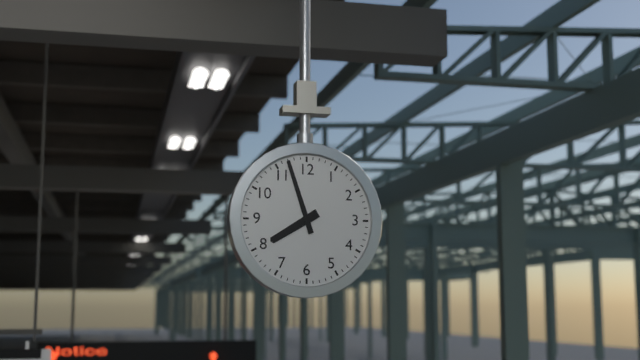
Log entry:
7h57
